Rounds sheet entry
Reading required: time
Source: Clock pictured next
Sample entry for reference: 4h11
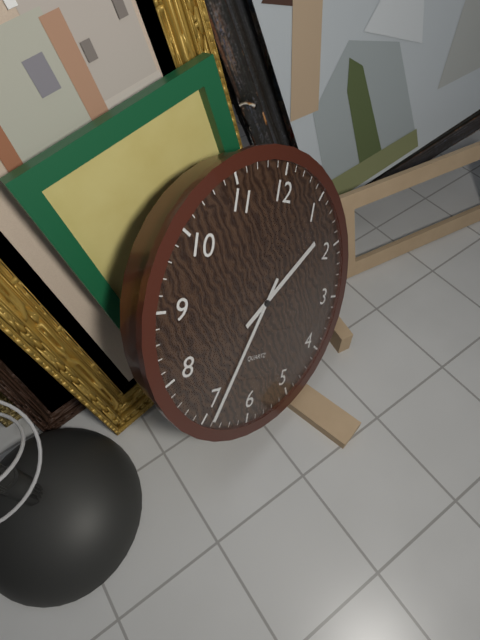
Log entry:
1h34
